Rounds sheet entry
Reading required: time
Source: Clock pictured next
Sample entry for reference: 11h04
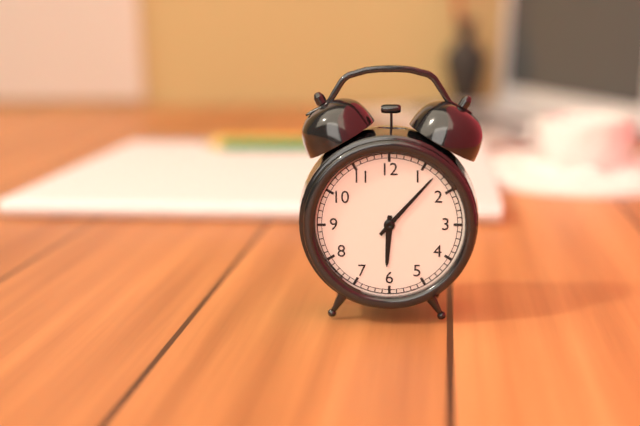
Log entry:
6h07
